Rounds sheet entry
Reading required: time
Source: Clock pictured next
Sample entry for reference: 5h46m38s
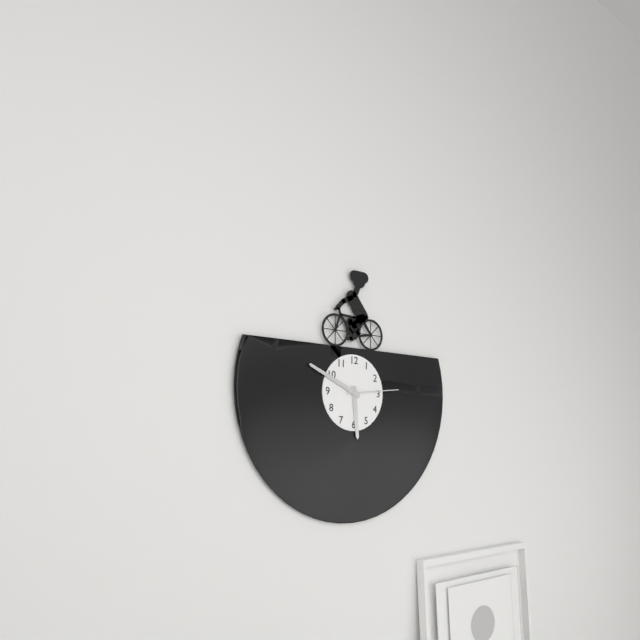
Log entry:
5h49m14s
